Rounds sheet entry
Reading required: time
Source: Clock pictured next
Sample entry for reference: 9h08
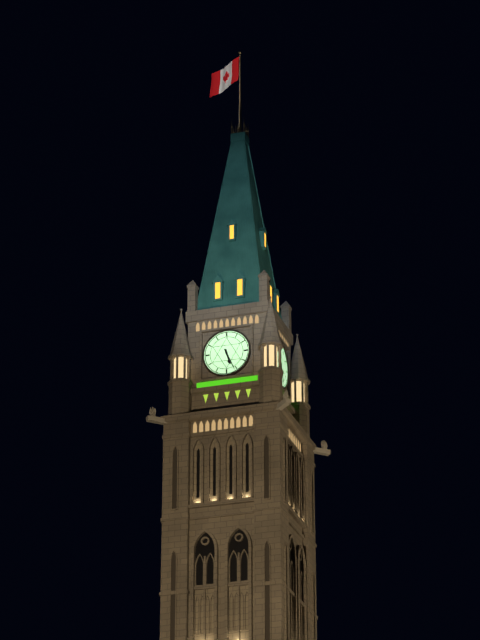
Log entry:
5h26
